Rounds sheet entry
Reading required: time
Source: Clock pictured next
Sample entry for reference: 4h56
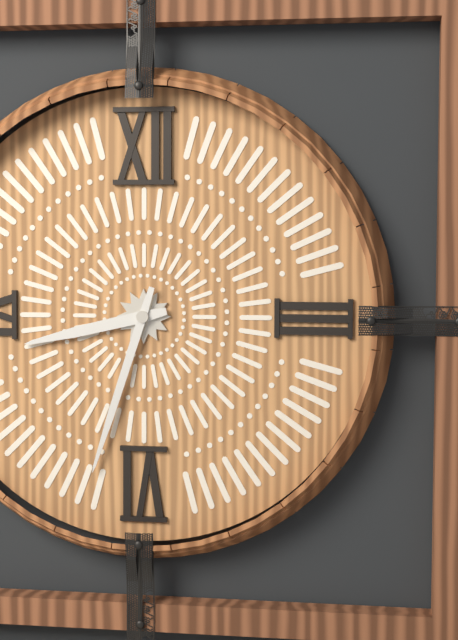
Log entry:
8h33
